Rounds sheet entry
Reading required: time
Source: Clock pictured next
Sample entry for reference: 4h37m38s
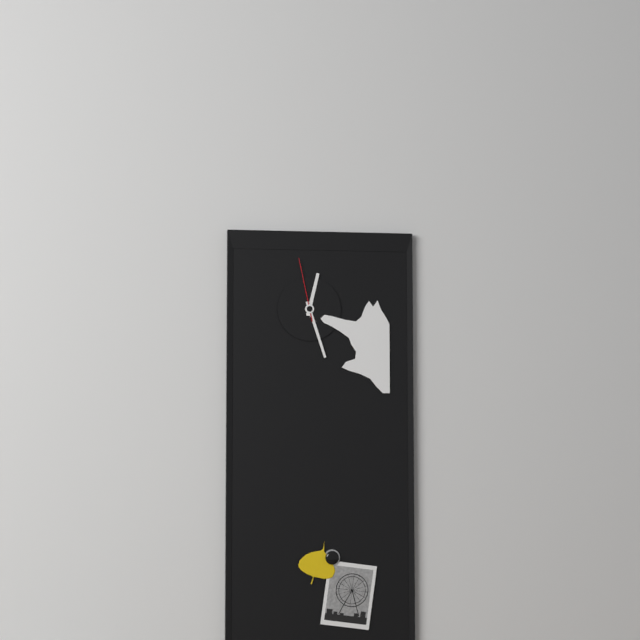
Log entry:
12h27m58s
